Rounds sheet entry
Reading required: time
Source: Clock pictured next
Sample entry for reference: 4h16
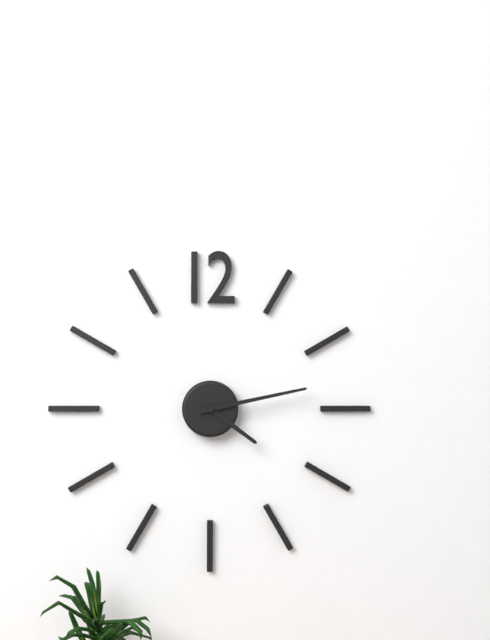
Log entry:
4h13
